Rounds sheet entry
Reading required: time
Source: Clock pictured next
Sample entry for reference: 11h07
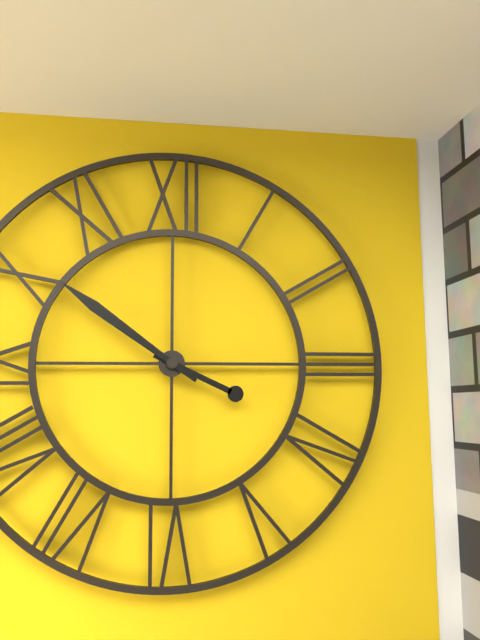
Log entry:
3h51
